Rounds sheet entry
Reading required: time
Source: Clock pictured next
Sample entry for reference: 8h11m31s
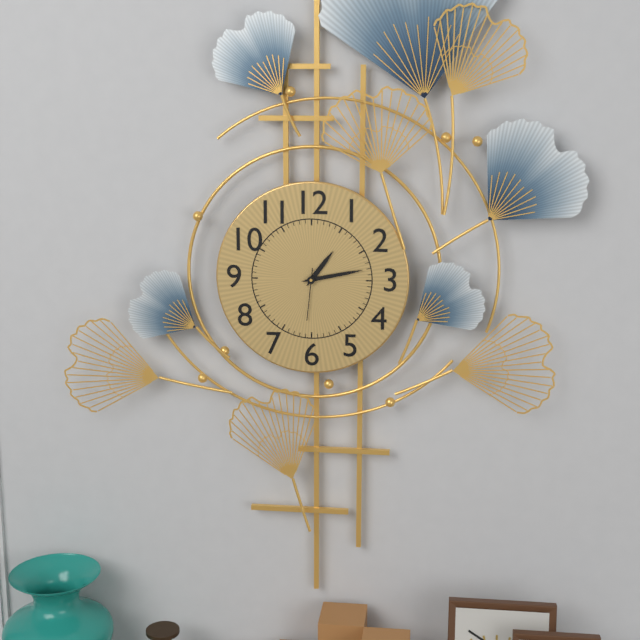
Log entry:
1h13m31s
